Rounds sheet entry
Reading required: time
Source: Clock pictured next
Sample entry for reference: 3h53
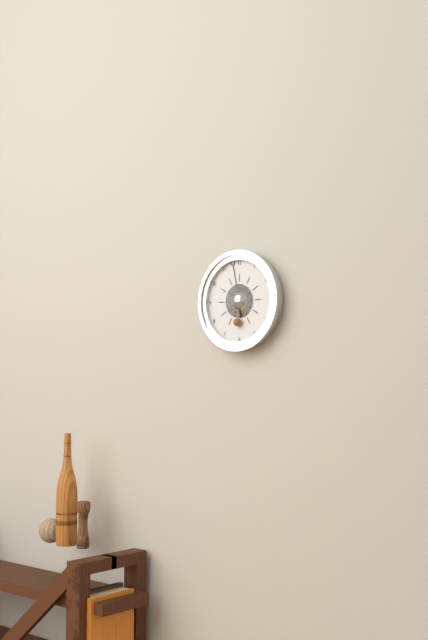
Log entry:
5h58
